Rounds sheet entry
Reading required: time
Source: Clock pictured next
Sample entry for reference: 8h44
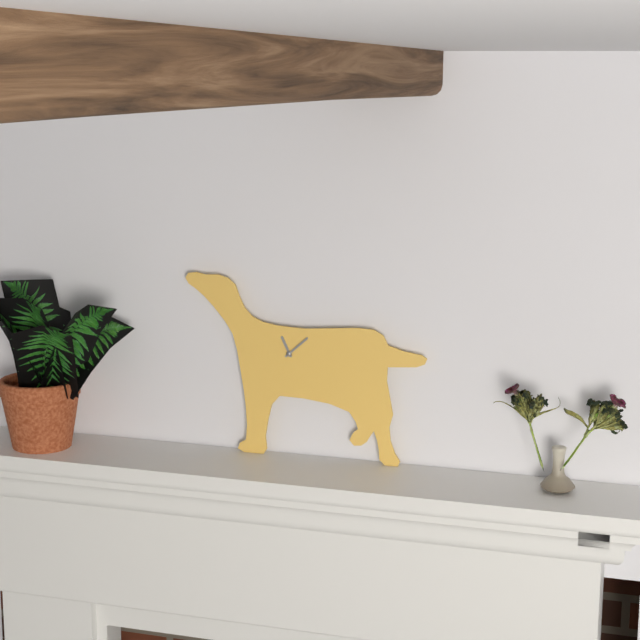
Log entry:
11h08
